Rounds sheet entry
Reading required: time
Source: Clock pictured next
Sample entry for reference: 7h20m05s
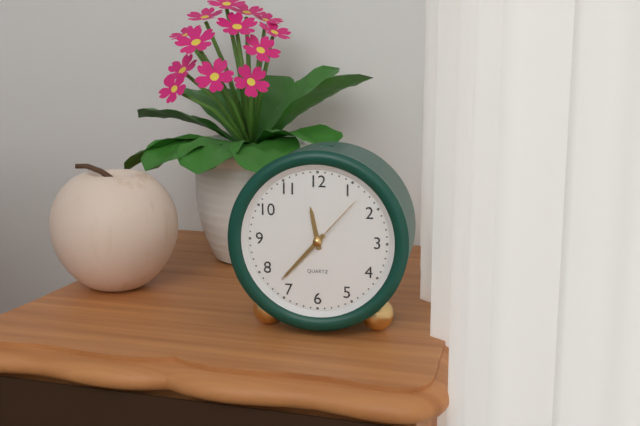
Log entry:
11h37m07s
